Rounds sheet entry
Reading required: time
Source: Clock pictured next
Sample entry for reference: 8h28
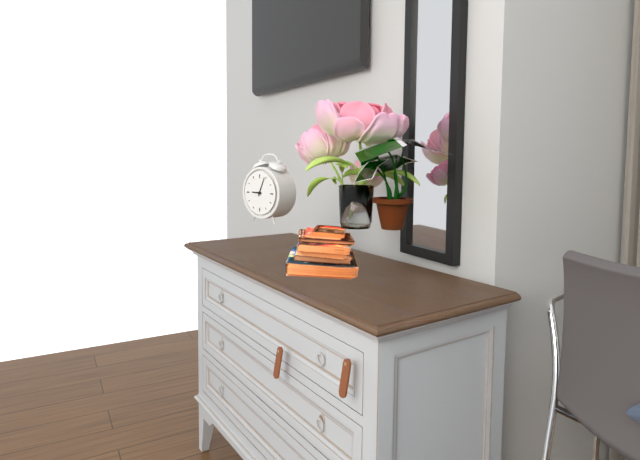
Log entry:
9h04
